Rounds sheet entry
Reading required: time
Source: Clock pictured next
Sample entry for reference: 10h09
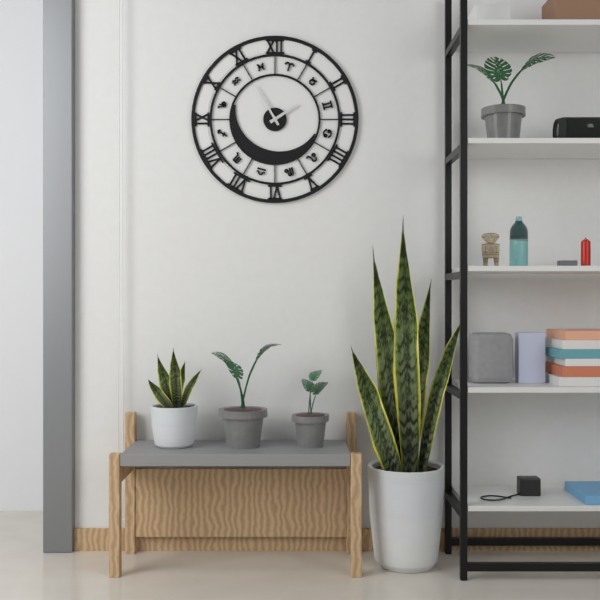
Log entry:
1h55
